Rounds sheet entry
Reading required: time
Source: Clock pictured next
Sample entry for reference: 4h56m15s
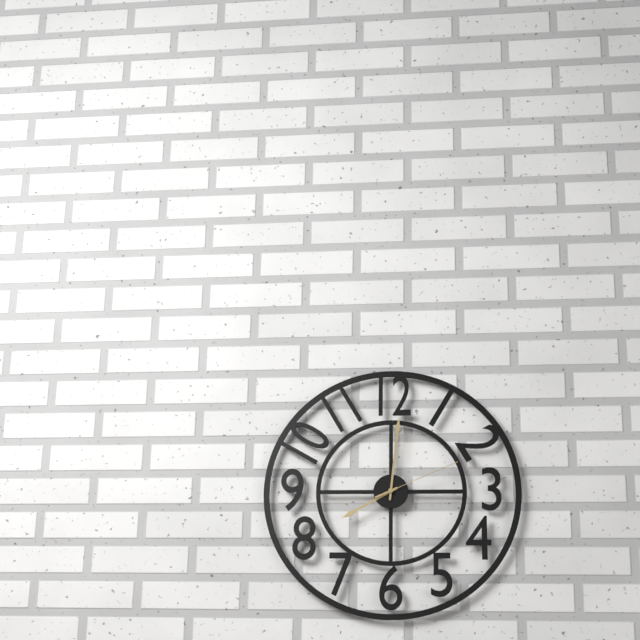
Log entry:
8h01m11s
